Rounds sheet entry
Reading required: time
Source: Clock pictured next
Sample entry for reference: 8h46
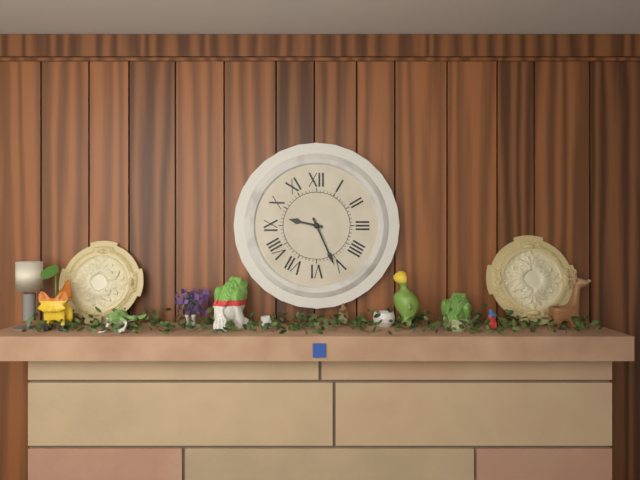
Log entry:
9h26
